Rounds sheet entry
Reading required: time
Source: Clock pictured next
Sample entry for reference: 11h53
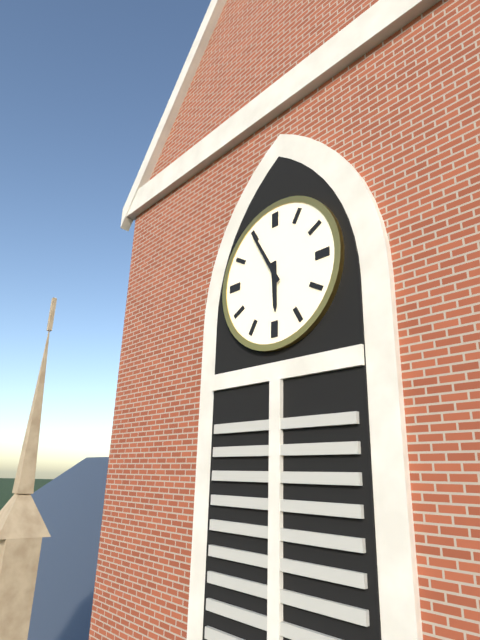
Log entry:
5h55
